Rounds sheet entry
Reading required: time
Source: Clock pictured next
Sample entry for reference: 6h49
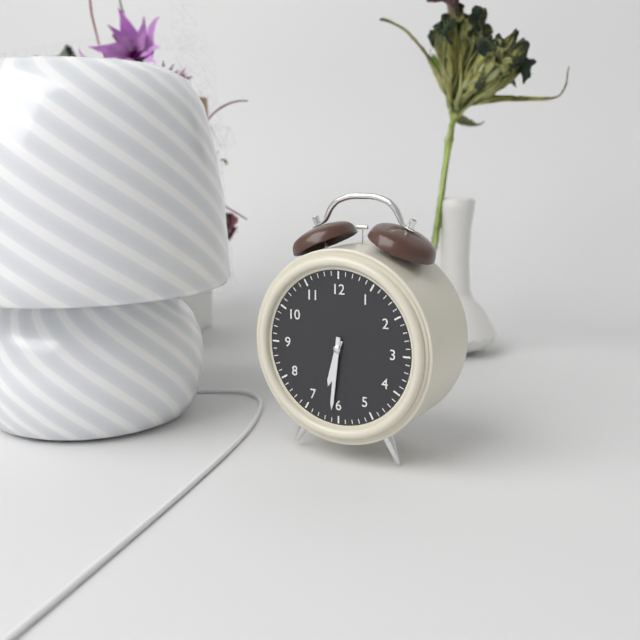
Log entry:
6h31
